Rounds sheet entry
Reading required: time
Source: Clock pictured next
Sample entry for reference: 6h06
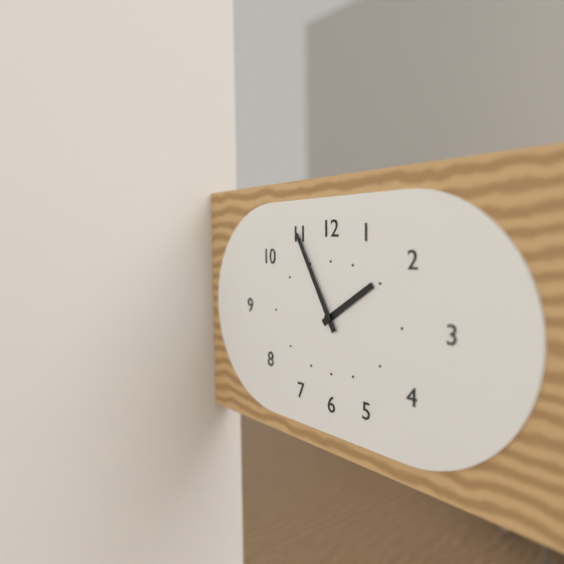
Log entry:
1h55
